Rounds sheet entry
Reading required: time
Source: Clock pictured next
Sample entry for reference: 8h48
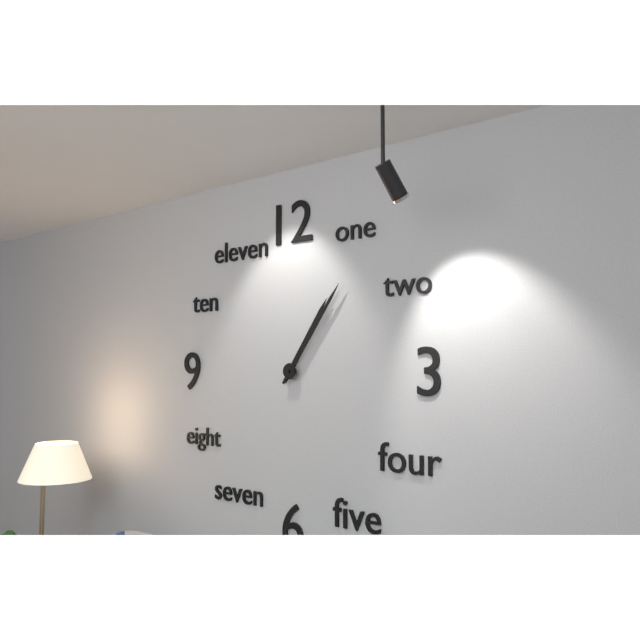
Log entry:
1h06
